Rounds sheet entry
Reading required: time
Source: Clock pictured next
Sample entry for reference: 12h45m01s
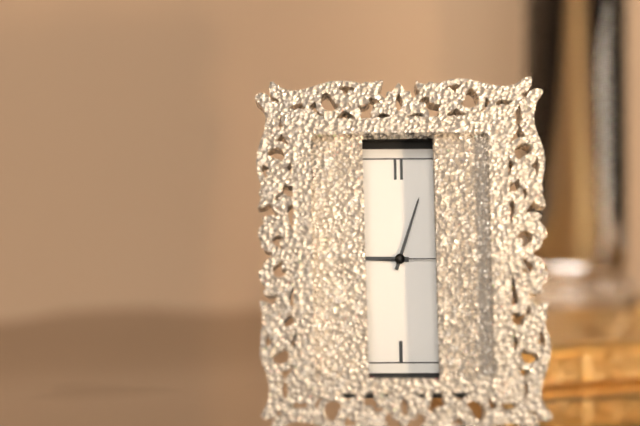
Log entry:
9h03m15s
